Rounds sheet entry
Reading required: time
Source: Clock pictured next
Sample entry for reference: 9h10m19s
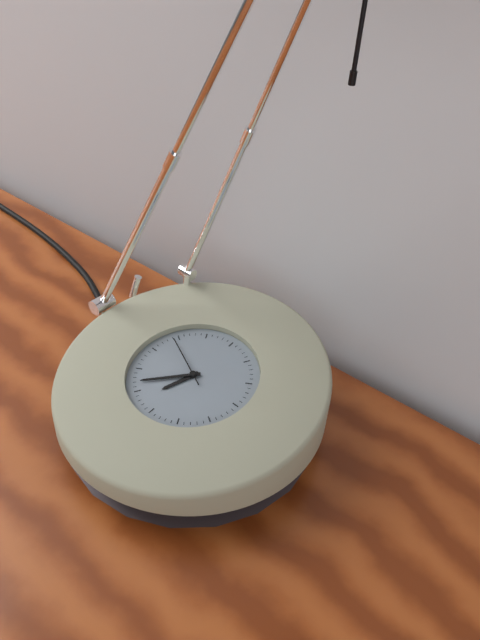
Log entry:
6h37m49s
